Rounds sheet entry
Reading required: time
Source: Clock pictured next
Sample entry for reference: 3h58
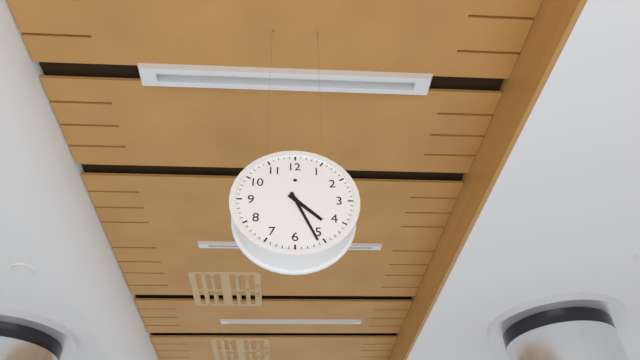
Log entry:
4h26
